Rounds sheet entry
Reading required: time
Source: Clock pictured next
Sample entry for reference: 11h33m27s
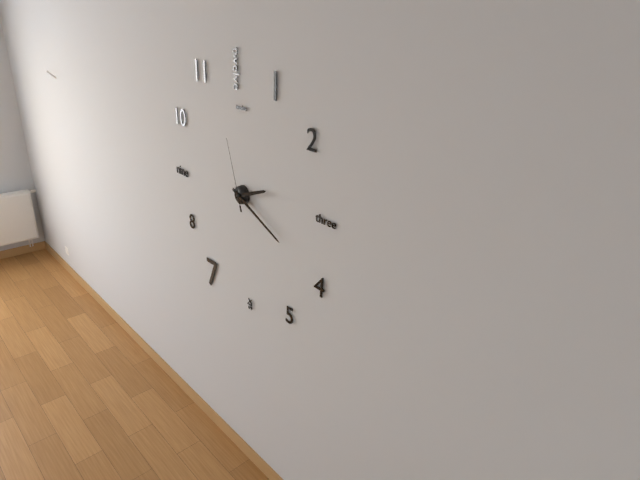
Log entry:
2h19m57s
